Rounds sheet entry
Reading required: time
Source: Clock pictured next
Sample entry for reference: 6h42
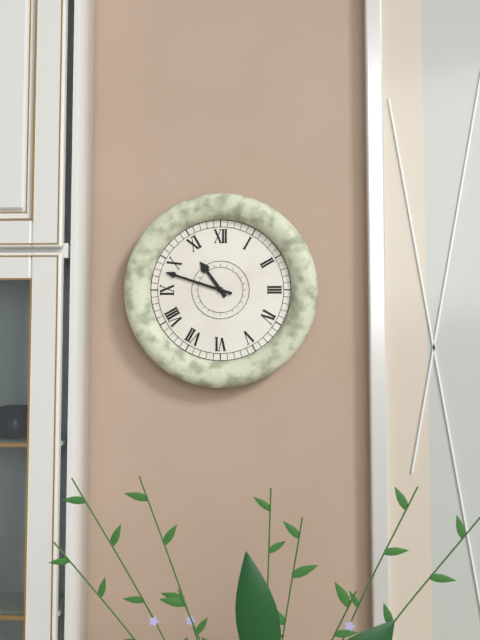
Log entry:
10h48
